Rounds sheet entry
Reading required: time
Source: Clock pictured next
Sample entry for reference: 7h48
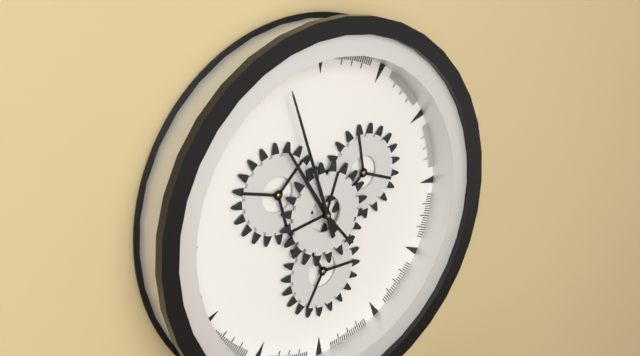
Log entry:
10h57
